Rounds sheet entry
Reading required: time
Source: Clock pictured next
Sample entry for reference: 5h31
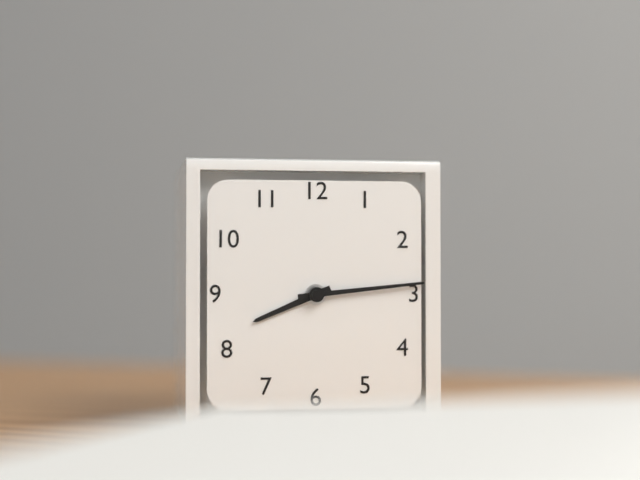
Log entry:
8h14
